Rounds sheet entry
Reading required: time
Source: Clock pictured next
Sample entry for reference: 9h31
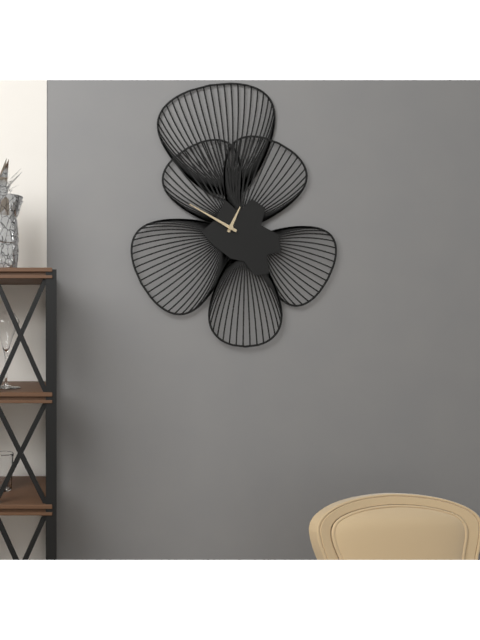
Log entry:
12h50
